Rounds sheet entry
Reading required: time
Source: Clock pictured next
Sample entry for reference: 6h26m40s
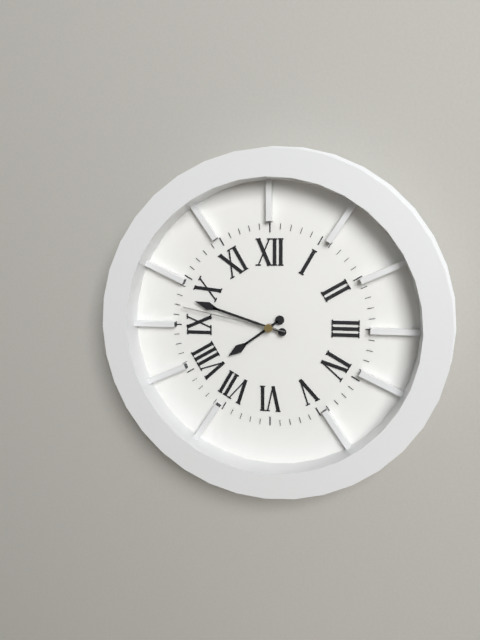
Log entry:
7h48m47s
